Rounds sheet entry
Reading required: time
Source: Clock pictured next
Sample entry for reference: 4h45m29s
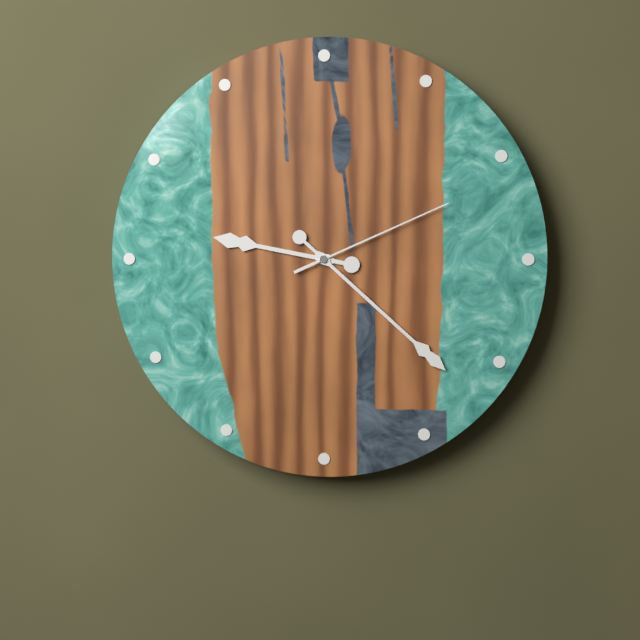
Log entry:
9h22m11s
